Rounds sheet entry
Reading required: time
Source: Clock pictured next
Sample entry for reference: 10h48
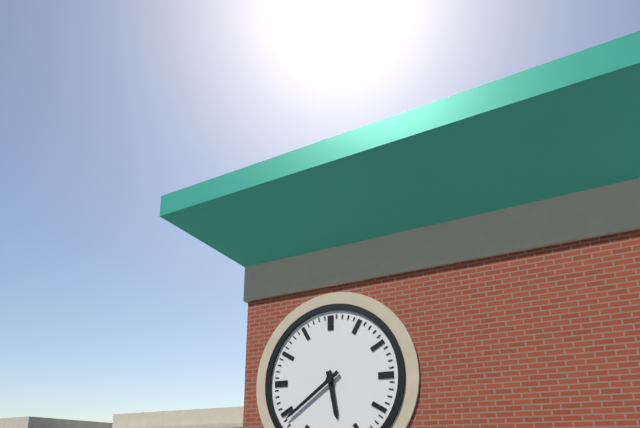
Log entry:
5h39
